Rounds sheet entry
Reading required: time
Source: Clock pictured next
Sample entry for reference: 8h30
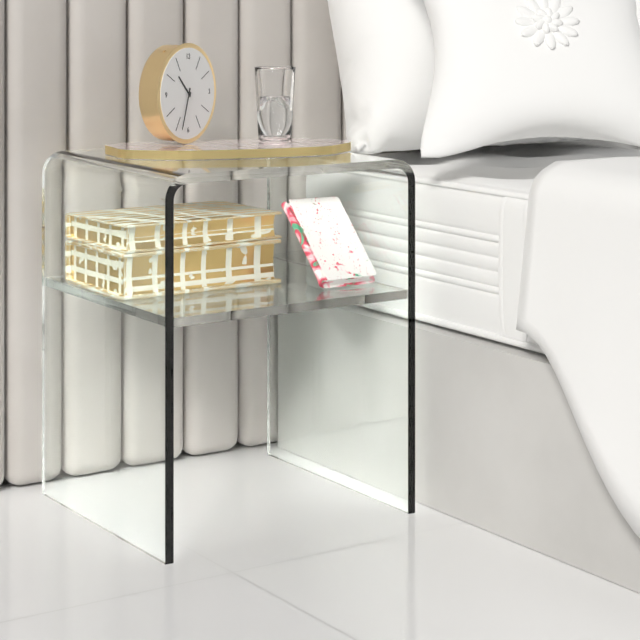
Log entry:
10h33
